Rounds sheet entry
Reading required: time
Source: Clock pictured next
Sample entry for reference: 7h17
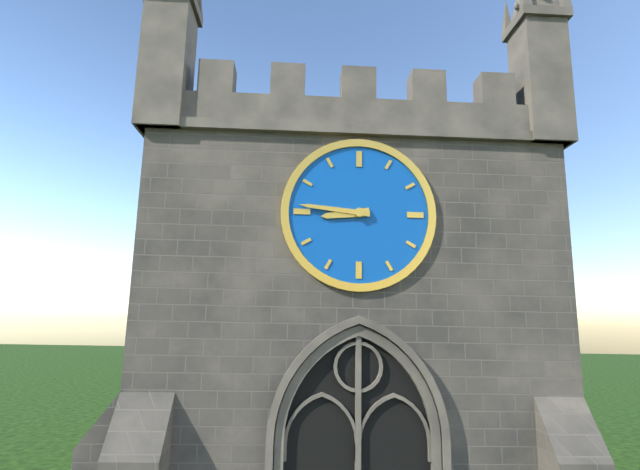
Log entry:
8h46
